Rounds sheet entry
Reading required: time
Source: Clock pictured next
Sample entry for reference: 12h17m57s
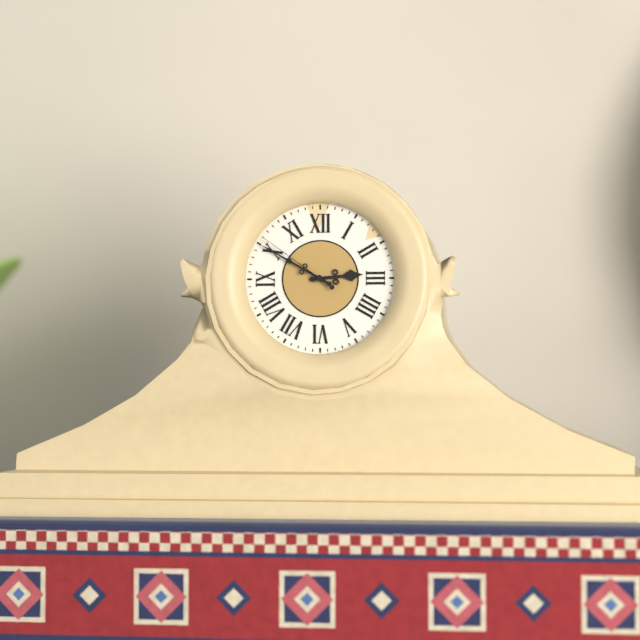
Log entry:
2h50m51s
